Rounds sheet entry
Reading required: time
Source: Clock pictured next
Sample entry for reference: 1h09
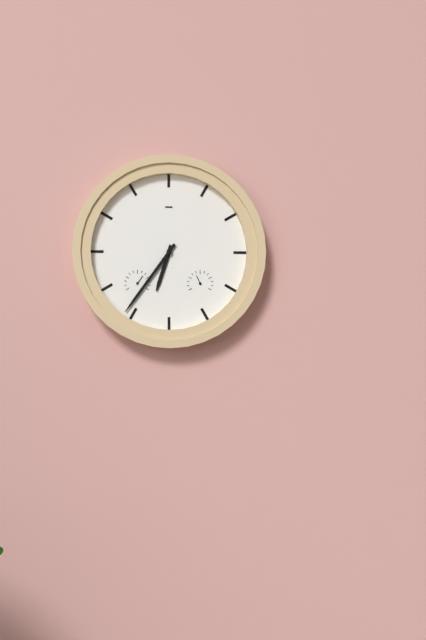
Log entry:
6h36
